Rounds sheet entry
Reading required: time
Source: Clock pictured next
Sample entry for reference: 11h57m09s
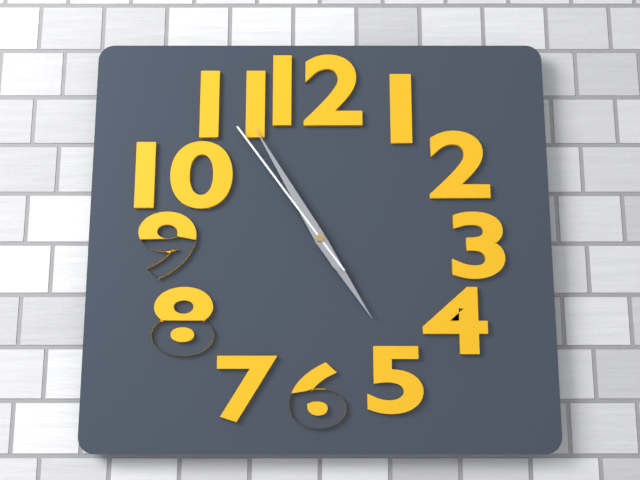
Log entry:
4h55m54s
